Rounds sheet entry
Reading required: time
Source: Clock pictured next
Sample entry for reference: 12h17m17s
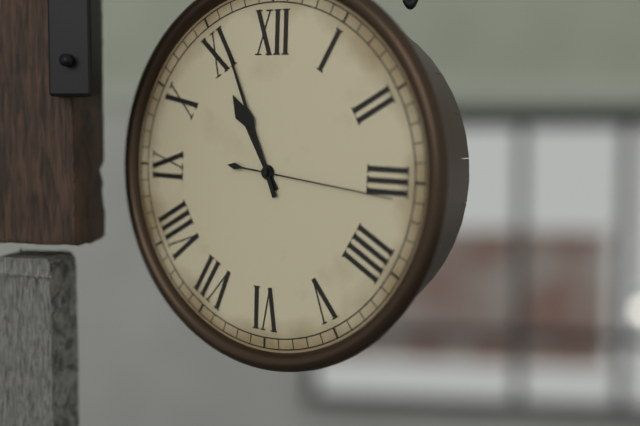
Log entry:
10h56m16s
